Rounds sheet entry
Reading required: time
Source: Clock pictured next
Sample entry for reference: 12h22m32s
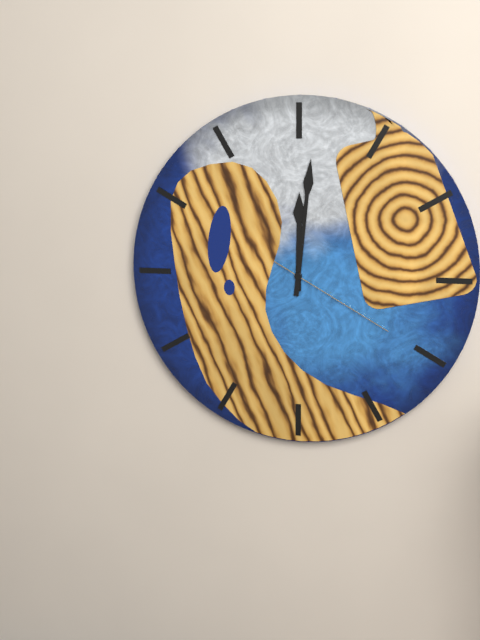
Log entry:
12h01m20s
